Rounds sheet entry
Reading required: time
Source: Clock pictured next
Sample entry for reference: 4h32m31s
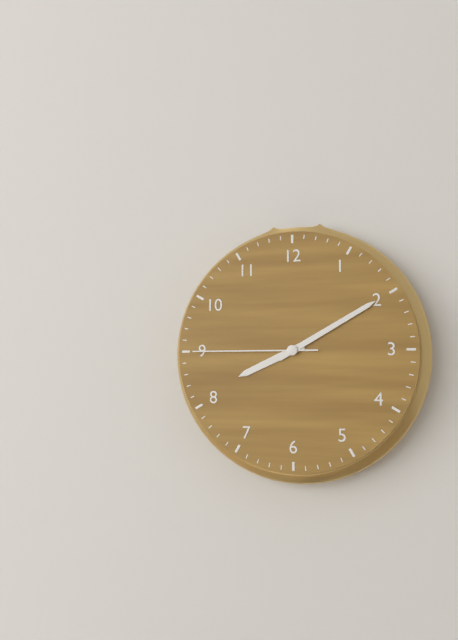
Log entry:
8h10m45s
